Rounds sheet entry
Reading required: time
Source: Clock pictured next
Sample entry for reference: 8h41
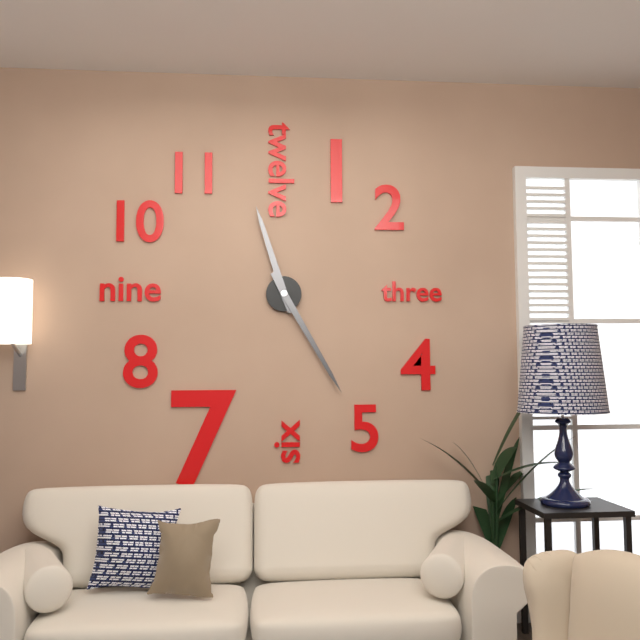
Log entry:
11h25
